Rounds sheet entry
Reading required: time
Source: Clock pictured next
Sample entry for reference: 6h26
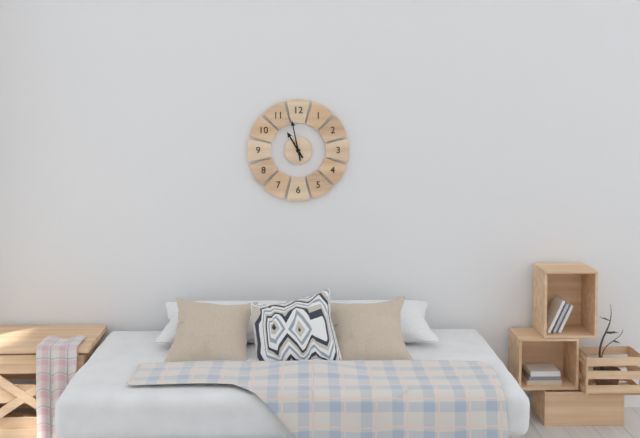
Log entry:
10h58
